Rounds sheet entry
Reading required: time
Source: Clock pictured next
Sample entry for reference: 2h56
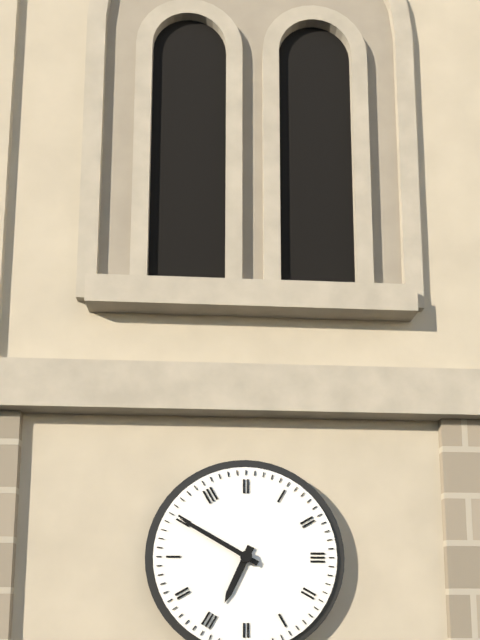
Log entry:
6h50
